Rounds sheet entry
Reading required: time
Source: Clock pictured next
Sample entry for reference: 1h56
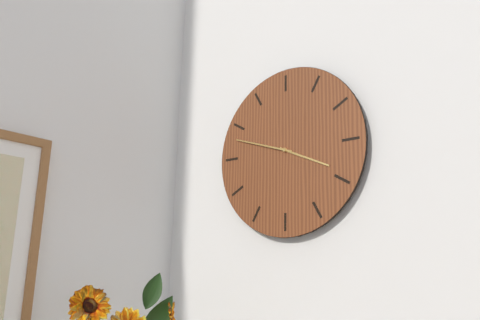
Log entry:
3h48
